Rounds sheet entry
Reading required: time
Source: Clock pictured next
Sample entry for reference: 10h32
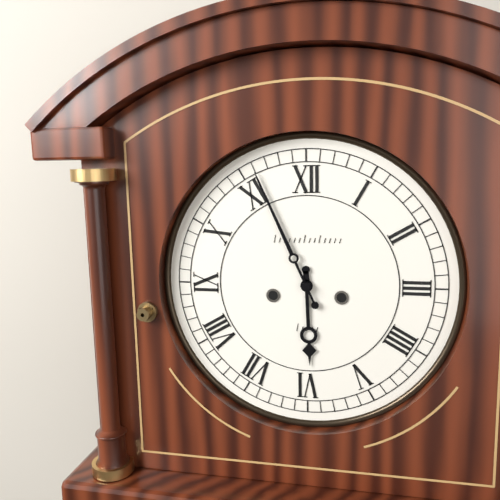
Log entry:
5h56
